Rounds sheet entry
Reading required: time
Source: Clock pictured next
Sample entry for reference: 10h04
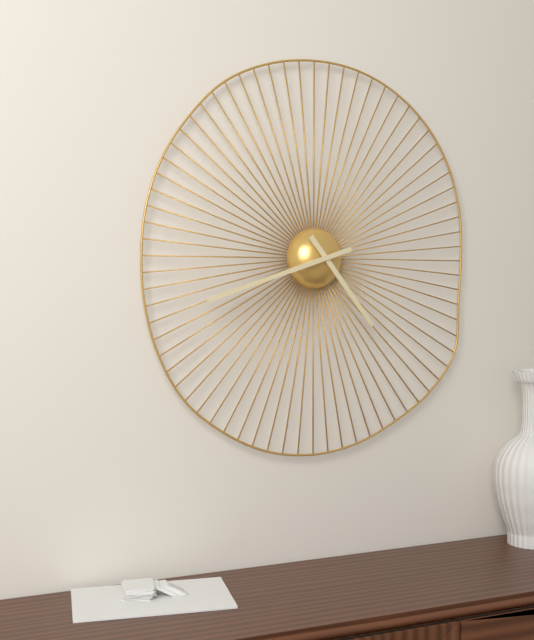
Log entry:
4h42
